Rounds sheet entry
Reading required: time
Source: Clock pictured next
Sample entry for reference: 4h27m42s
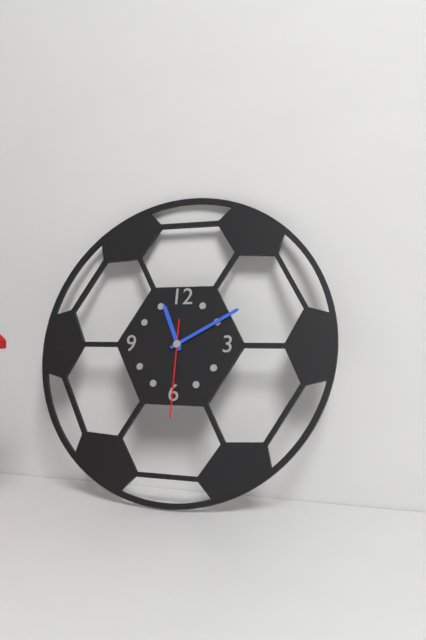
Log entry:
11h10m30s
